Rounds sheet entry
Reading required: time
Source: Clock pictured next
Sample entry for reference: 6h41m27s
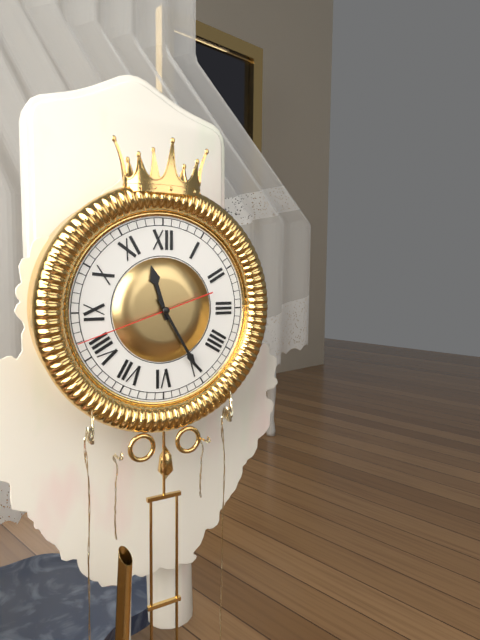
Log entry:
11h25m42s
